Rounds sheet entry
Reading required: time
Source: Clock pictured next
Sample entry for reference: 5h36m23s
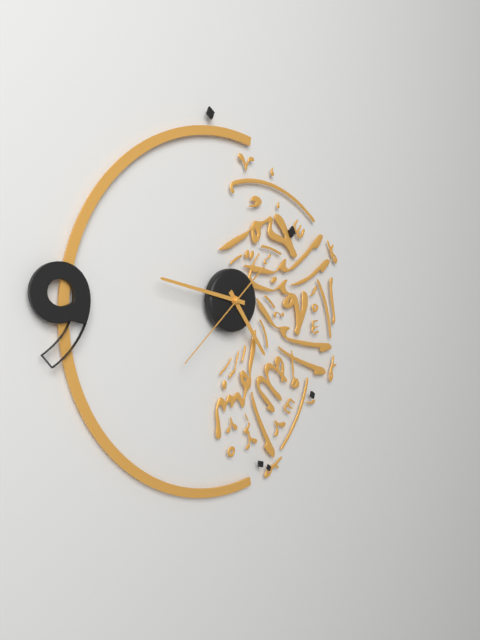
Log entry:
4h47m38s
